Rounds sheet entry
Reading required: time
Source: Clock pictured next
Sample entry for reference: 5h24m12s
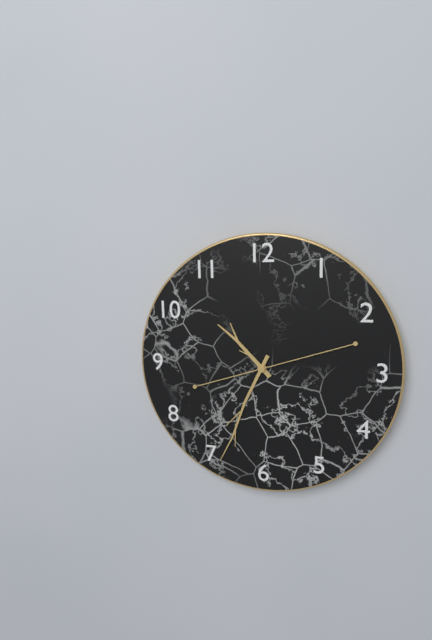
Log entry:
10h34m12s
